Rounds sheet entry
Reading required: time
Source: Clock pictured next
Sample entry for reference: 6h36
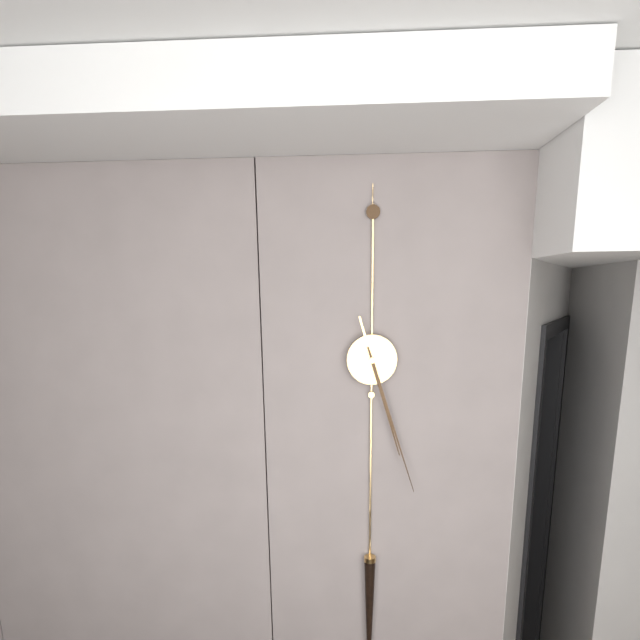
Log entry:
5h27
